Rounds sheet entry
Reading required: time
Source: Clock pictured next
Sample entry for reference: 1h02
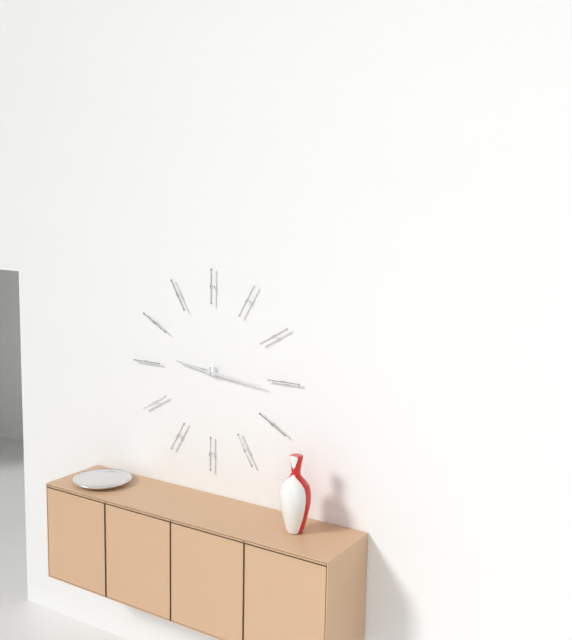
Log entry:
9h16
